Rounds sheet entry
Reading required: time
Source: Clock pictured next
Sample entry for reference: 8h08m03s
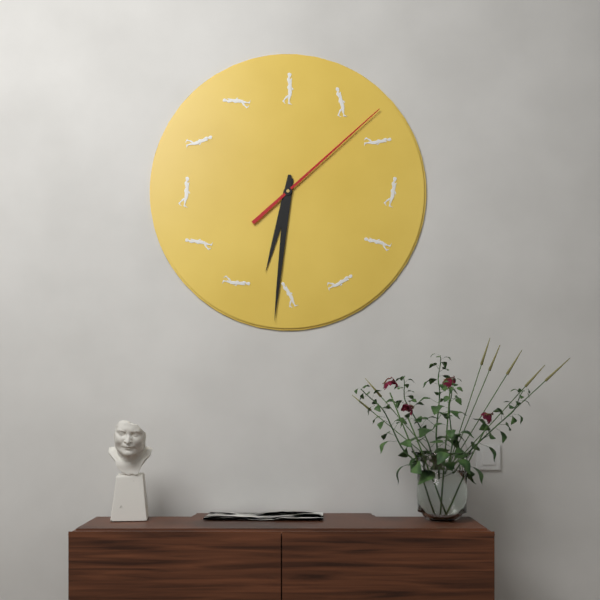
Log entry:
6h31m08s
